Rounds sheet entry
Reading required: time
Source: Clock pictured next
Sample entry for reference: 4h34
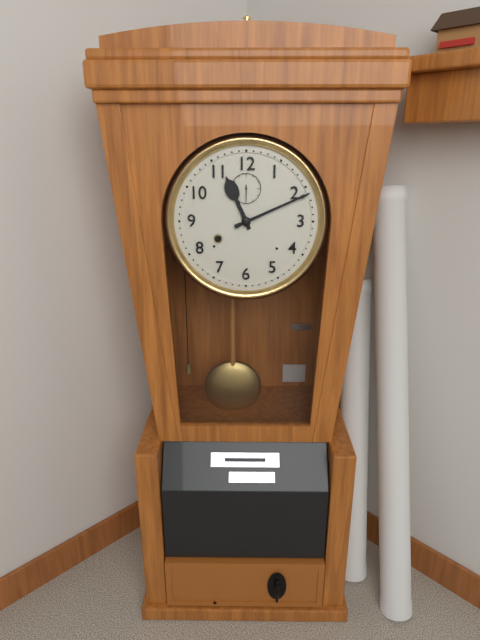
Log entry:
11h11
